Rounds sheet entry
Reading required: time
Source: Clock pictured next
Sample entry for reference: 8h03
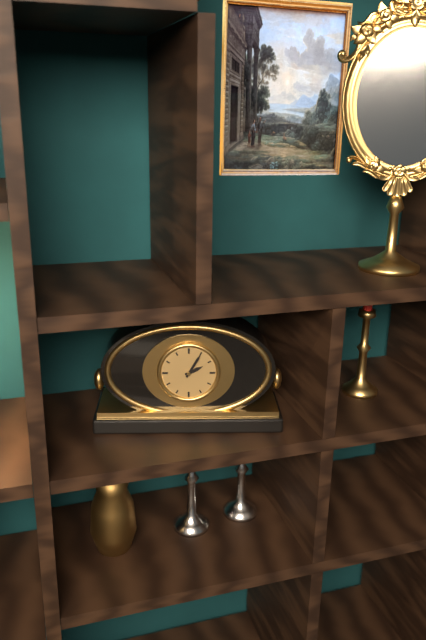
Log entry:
2h05
